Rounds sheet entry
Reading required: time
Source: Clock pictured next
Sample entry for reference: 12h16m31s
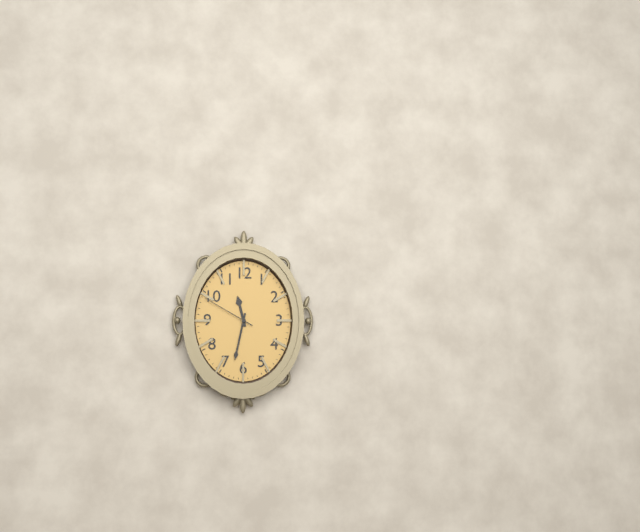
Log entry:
11h32m50s
